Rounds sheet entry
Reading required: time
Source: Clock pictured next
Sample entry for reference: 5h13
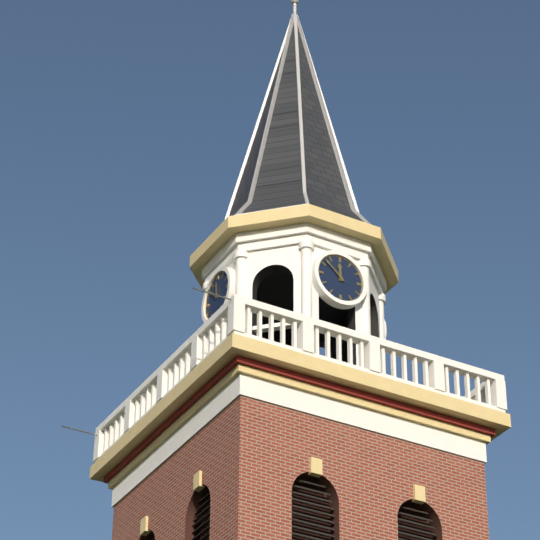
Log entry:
11h52
